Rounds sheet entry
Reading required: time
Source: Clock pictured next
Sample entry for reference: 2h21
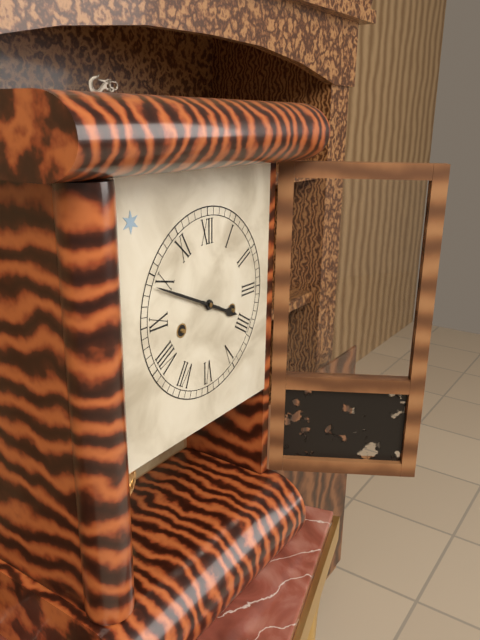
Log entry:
3h49
